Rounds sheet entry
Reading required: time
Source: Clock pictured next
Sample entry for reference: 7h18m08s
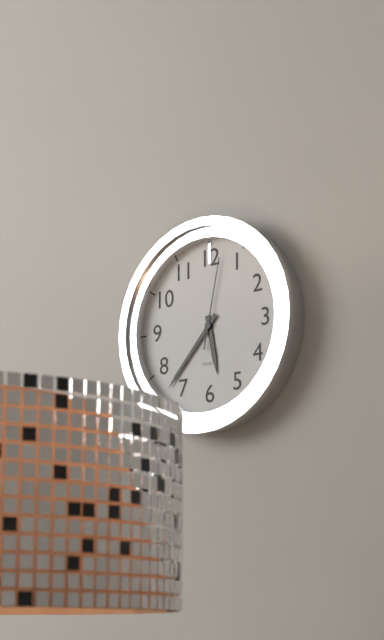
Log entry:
5h37m02s
